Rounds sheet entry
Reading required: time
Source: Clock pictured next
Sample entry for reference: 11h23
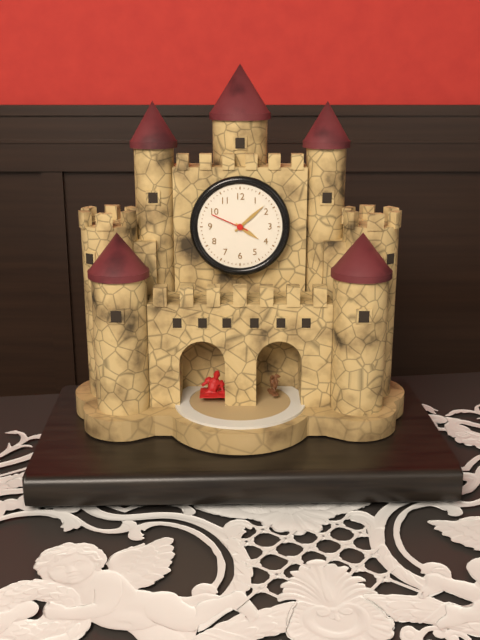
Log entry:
4h08
